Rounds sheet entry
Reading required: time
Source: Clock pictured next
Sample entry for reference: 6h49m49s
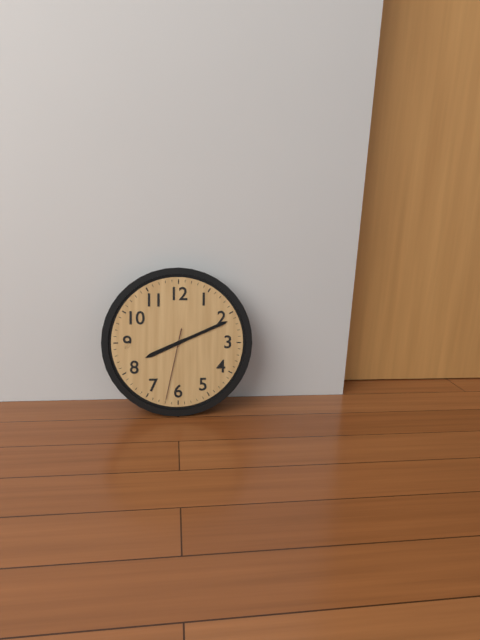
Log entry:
8h11m32s
